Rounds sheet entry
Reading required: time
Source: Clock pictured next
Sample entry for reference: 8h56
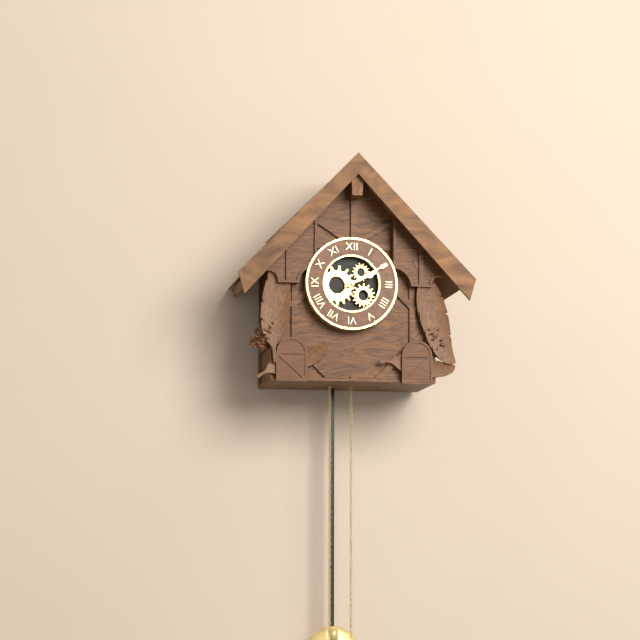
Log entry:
2h10
